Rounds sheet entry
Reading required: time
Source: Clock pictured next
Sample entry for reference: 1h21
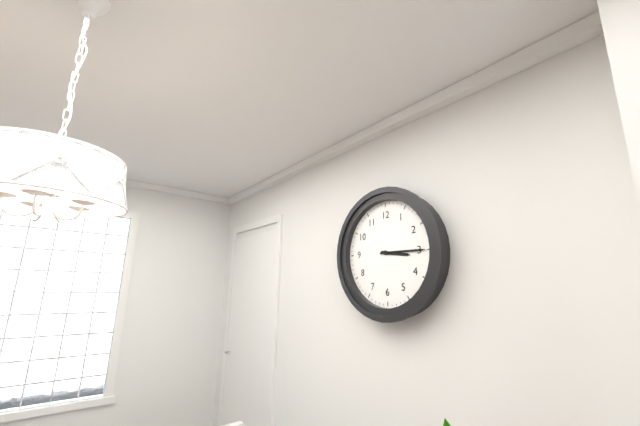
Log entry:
3h15
